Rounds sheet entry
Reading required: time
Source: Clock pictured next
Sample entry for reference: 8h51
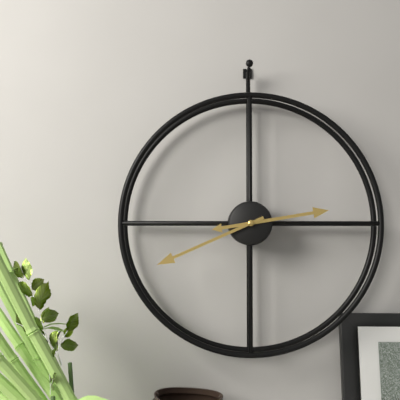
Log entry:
2h41
